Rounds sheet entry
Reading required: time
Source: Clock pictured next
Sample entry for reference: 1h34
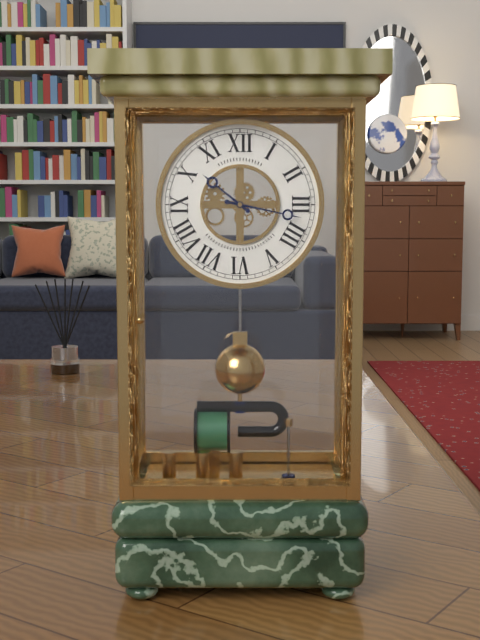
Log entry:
10h17
